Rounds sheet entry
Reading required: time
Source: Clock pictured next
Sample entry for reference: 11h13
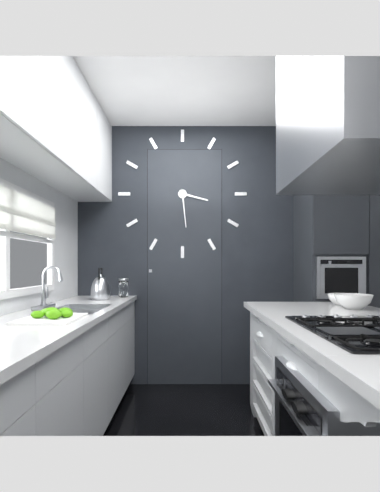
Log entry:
3h29
